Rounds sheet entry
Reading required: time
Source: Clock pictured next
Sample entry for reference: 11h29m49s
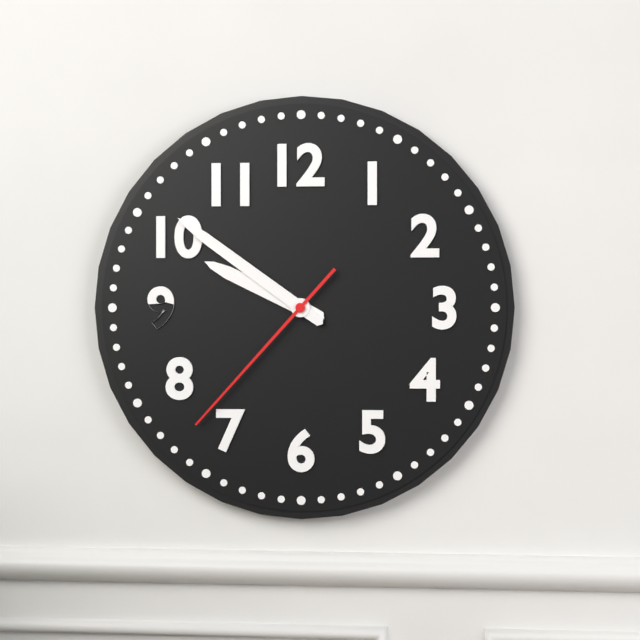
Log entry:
9h51m37s
